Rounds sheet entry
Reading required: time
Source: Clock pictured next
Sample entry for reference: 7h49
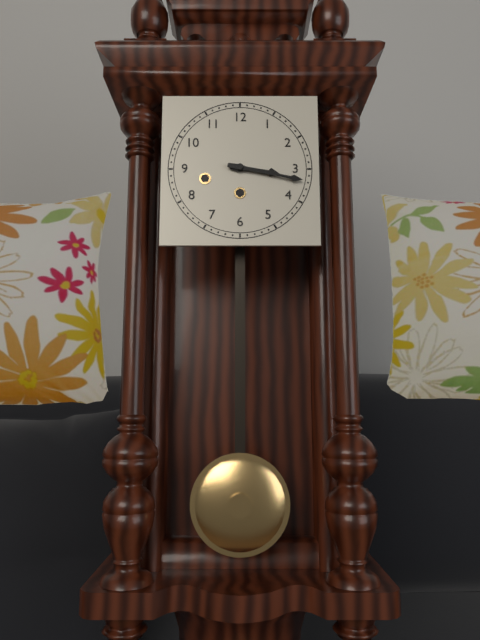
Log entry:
3h17
